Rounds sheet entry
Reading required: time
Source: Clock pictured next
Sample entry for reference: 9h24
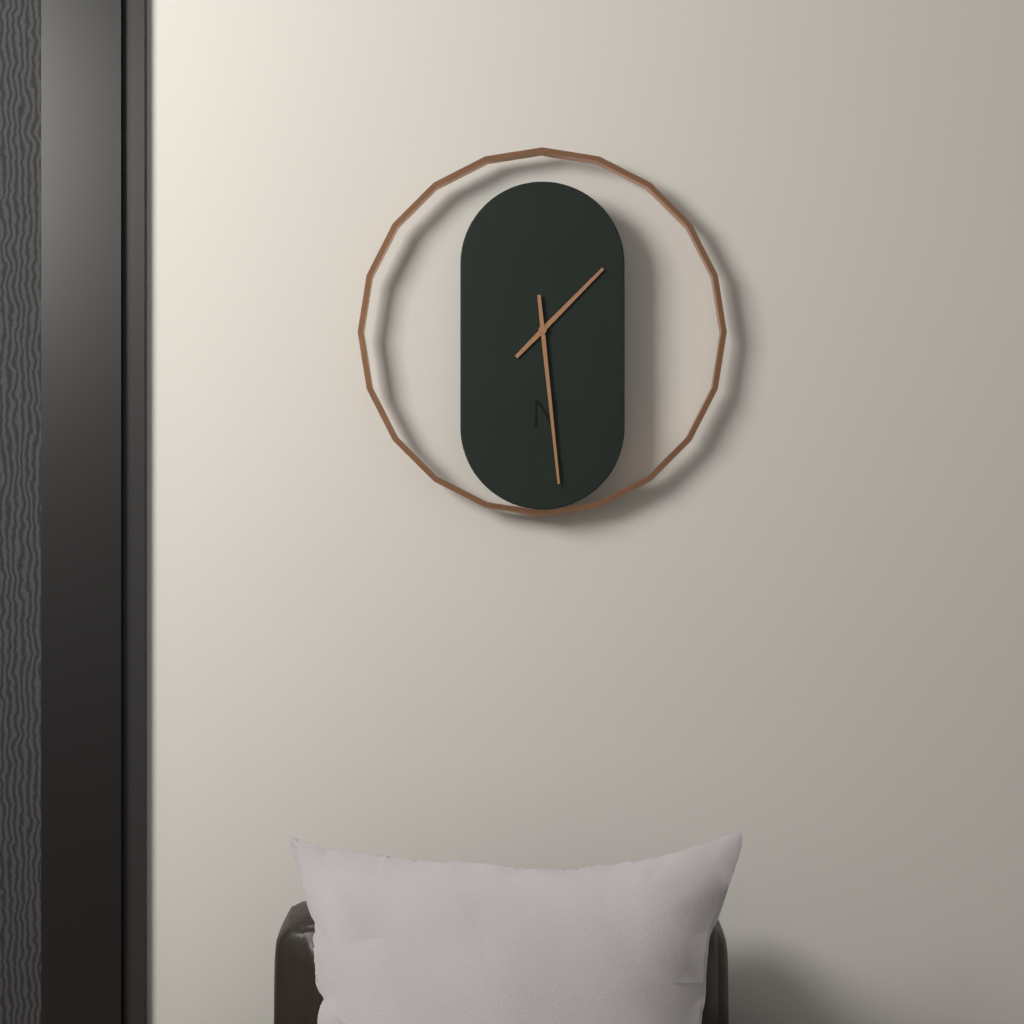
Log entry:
1h29
